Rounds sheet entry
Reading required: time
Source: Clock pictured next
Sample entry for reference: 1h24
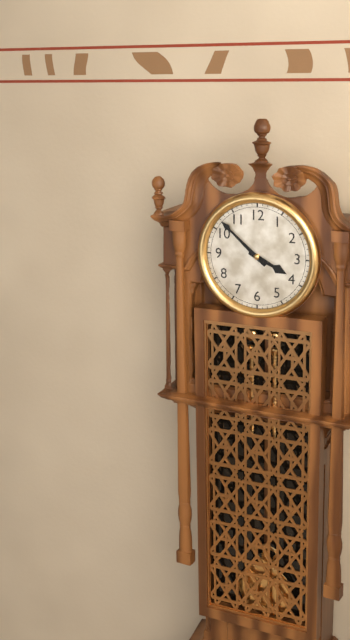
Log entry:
3h52
